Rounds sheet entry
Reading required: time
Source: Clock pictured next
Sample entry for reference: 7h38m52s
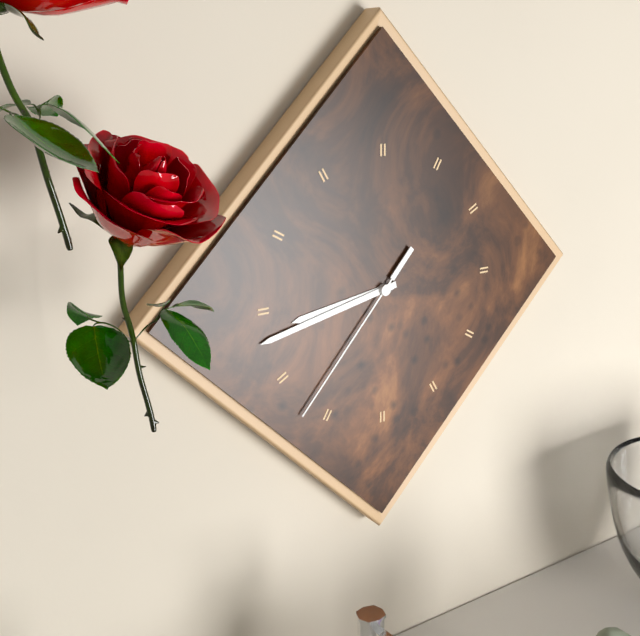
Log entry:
8h43m37s
